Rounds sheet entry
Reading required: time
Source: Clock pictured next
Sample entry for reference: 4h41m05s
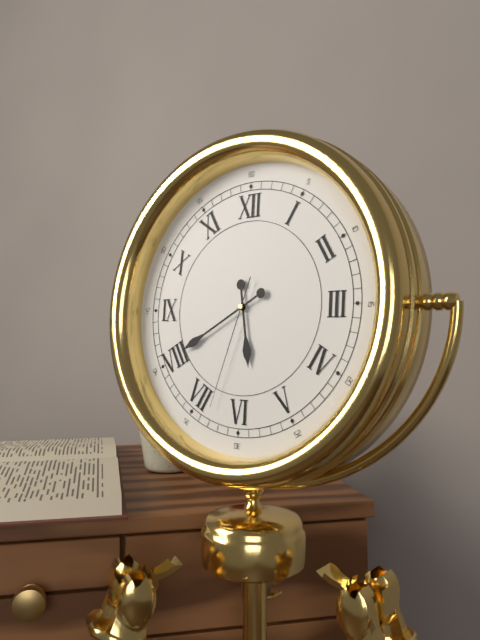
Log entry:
5h40m33s
